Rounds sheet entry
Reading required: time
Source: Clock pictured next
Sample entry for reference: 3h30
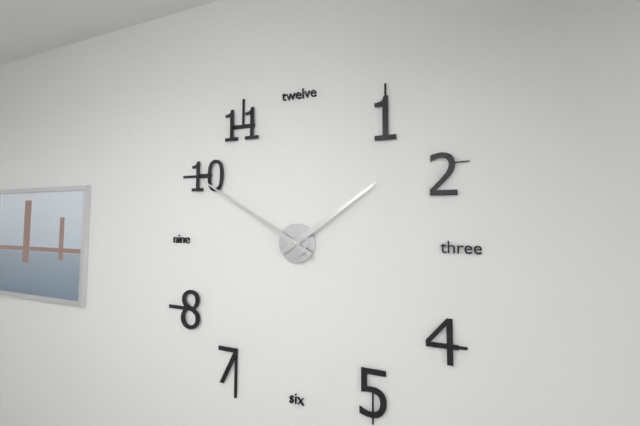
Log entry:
1h50
